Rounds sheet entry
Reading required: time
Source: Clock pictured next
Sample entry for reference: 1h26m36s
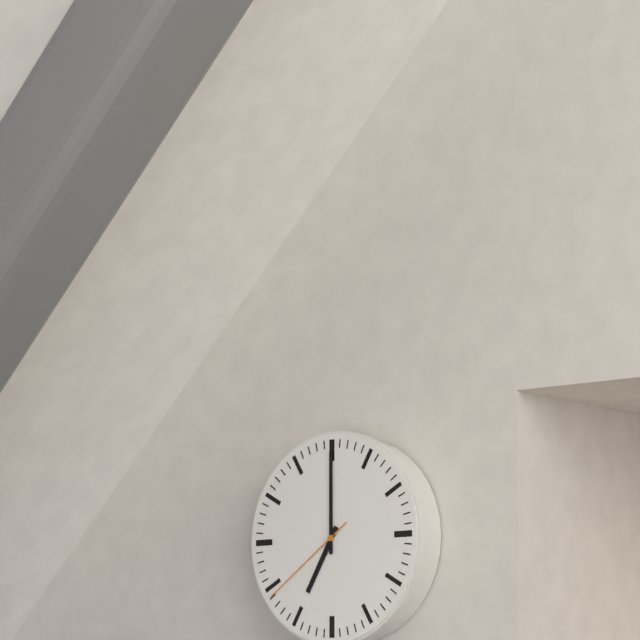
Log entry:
7h00m39s
